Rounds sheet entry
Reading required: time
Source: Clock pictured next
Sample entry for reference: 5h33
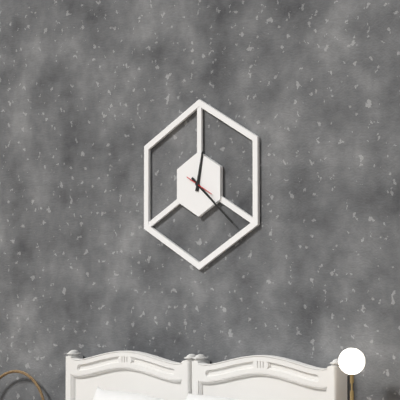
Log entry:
12h22
